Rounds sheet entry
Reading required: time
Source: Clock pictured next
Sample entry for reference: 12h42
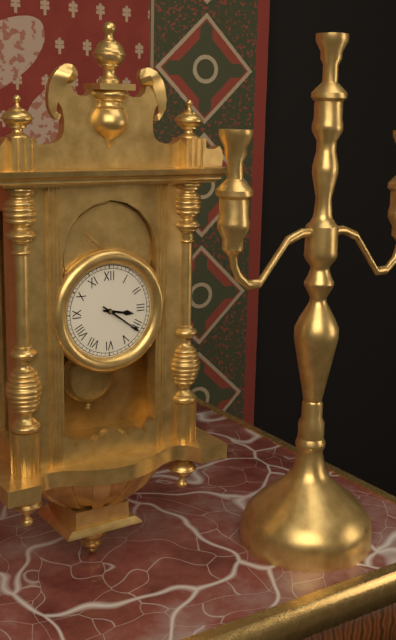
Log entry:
3h21
